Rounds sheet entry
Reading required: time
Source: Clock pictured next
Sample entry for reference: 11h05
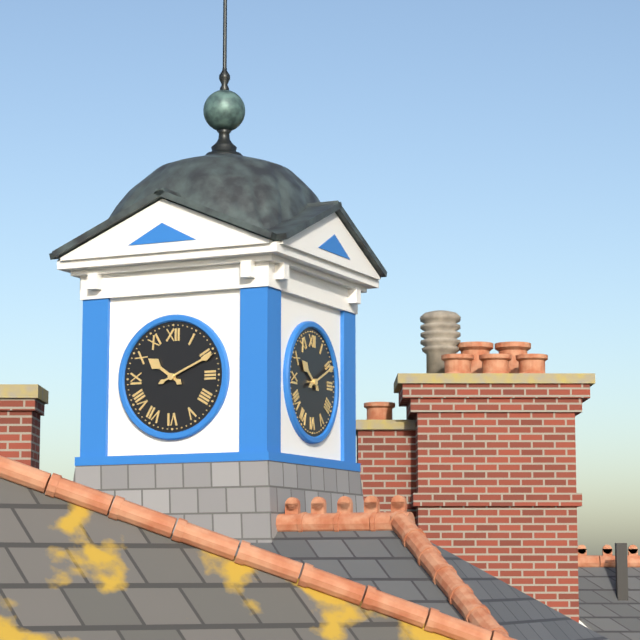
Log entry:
10h11
